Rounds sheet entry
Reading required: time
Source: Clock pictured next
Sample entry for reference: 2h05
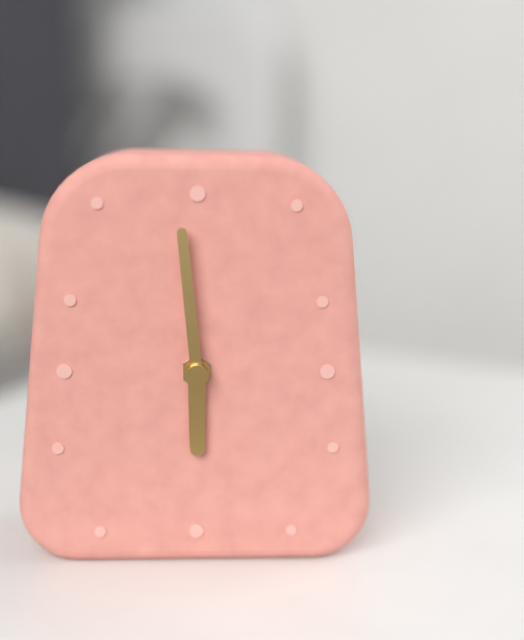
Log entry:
5h59
